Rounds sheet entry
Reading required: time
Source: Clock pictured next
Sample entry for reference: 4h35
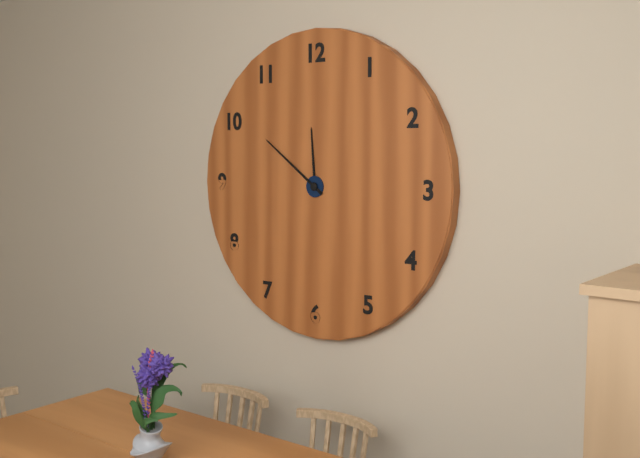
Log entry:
11h51
